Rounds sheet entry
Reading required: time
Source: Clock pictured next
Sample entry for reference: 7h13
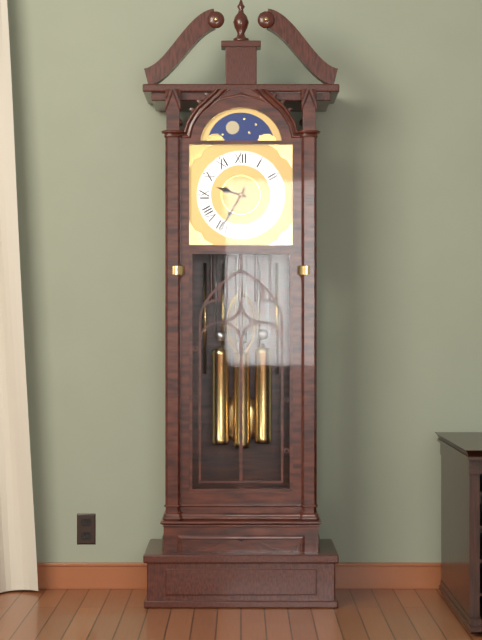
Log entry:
9h35
